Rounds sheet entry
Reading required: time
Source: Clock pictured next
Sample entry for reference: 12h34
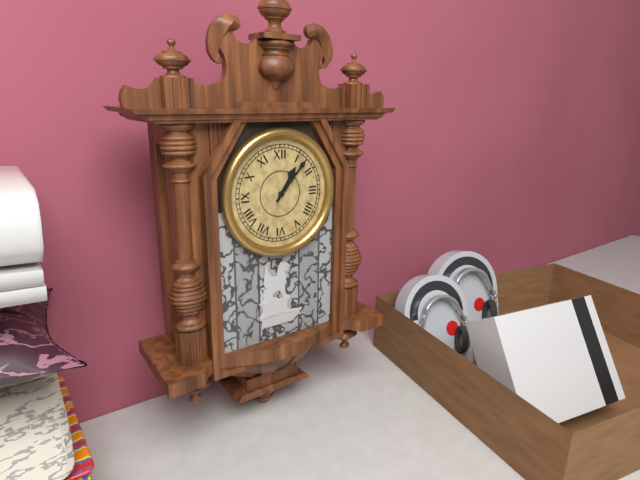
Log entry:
1h07
